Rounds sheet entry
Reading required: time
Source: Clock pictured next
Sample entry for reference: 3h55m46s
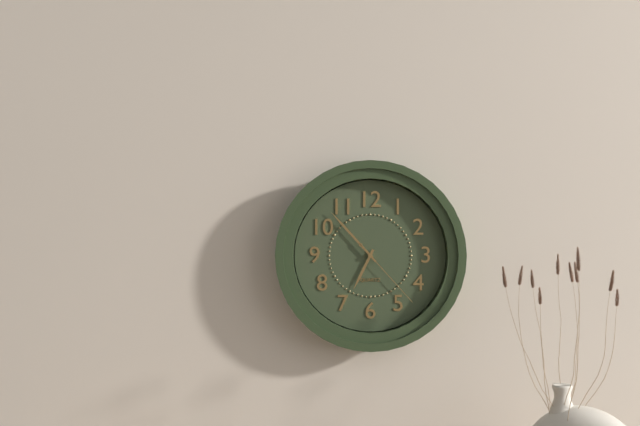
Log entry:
6h53m23s
